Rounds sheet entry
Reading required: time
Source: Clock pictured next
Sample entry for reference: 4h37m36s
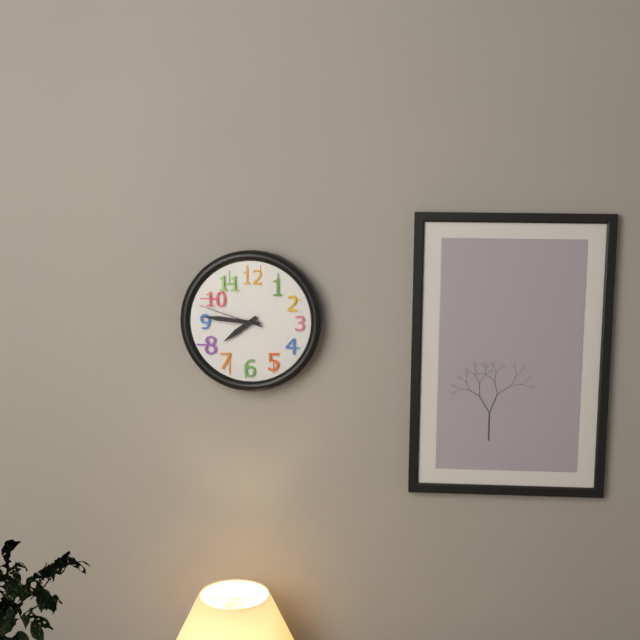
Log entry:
7h46m48s
